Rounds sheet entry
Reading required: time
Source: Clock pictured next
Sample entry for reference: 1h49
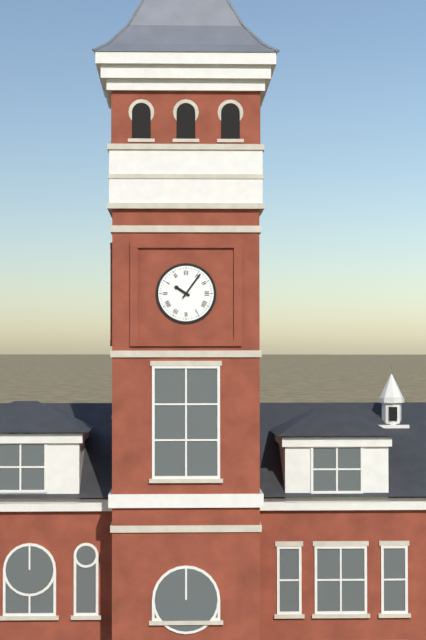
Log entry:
10h06
